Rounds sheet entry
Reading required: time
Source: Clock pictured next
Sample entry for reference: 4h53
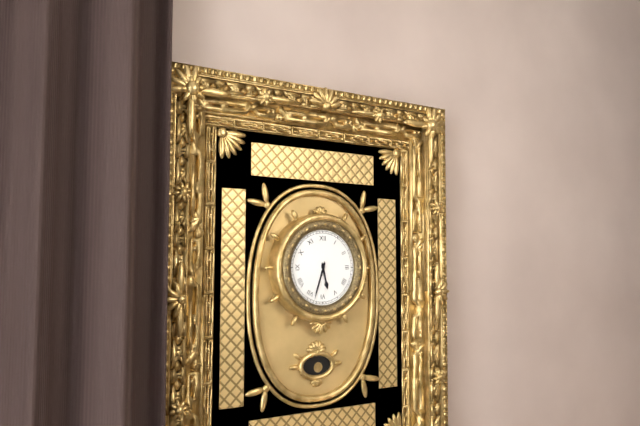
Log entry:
5h33
